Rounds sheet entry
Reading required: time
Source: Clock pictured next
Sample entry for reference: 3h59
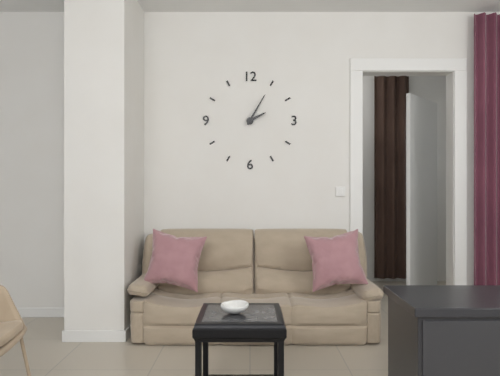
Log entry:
2h05
